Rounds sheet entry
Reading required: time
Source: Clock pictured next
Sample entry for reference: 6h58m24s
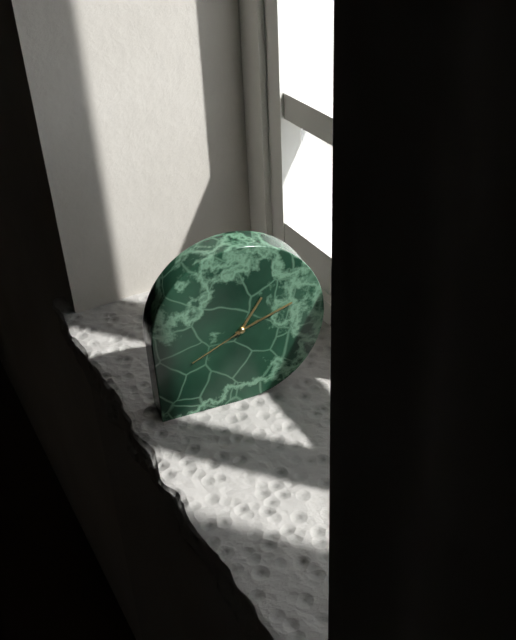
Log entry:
1h12m41s
